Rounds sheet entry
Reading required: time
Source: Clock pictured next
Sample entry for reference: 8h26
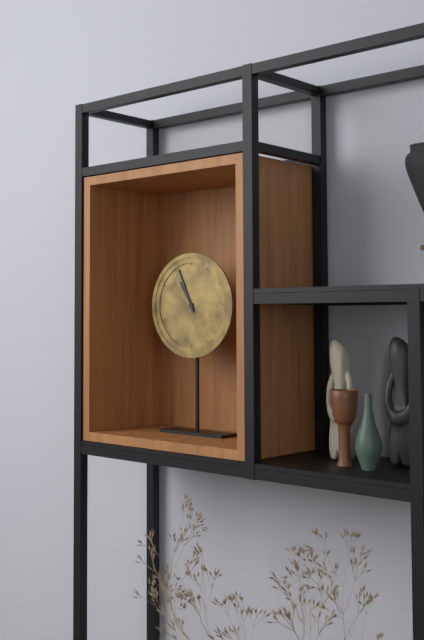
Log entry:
10h56
